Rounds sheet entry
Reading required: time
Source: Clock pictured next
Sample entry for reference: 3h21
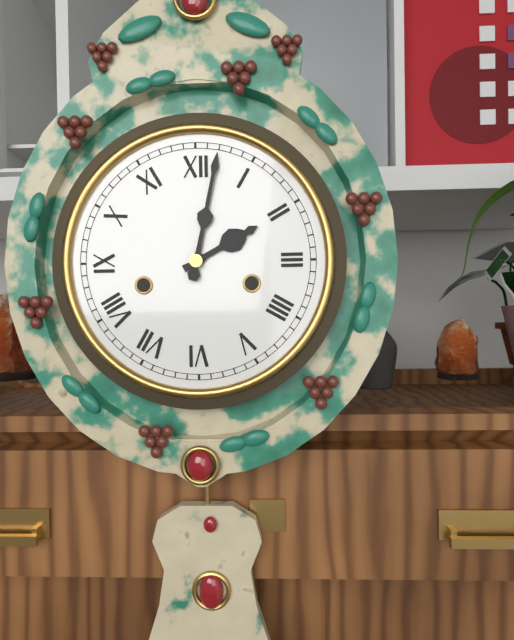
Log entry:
2h02
